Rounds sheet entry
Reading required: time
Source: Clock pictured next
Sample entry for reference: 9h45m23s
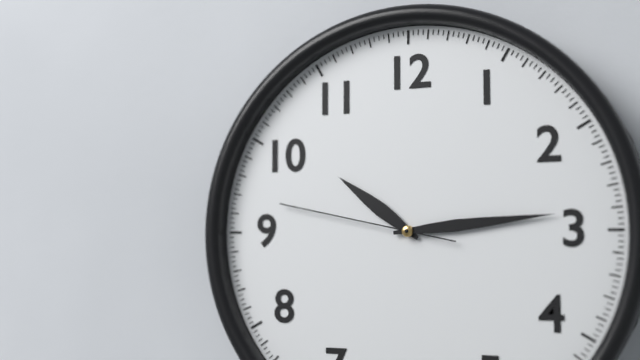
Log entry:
10h14m47s
